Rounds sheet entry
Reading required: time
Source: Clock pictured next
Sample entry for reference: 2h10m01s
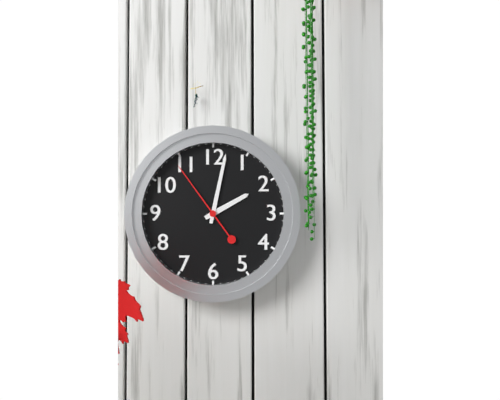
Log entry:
2h02m54s
